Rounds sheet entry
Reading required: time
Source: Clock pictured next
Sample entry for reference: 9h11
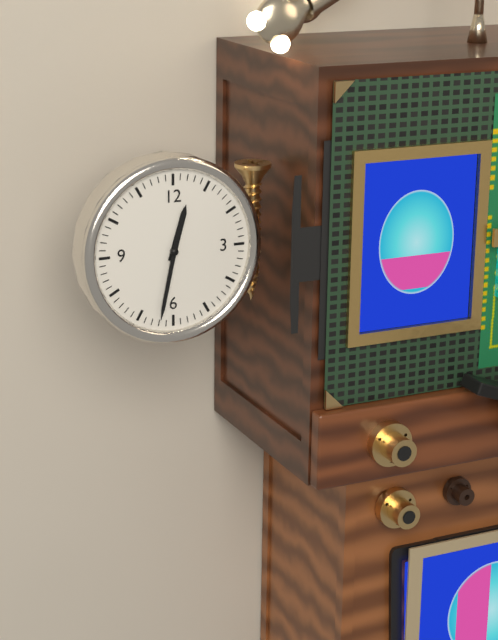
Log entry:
12h32
